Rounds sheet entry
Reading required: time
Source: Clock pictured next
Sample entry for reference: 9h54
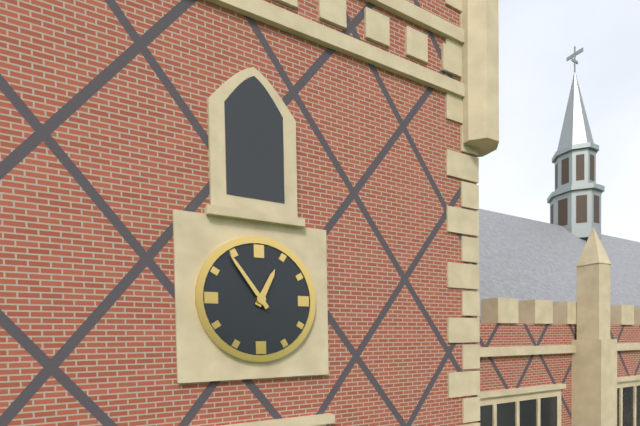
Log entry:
12h54
